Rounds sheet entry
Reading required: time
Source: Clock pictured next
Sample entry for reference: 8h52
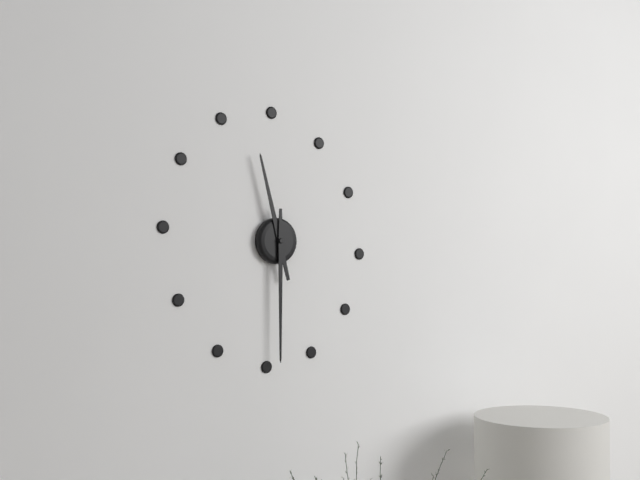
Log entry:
11h30
